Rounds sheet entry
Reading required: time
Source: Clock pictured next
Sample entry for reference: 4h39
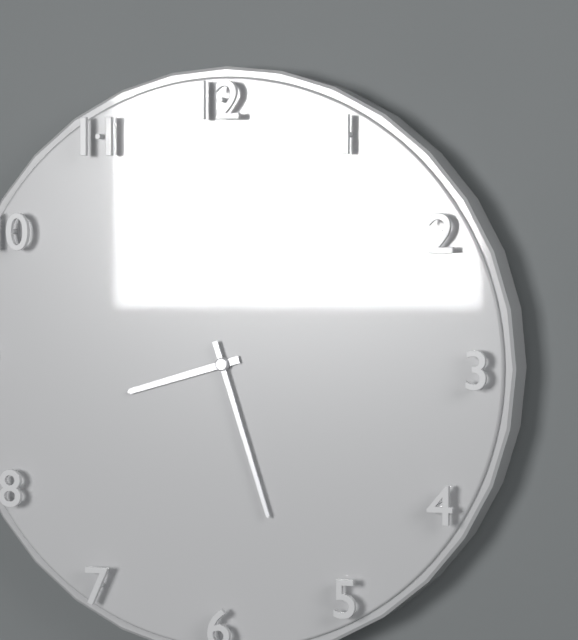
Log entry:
8h27
